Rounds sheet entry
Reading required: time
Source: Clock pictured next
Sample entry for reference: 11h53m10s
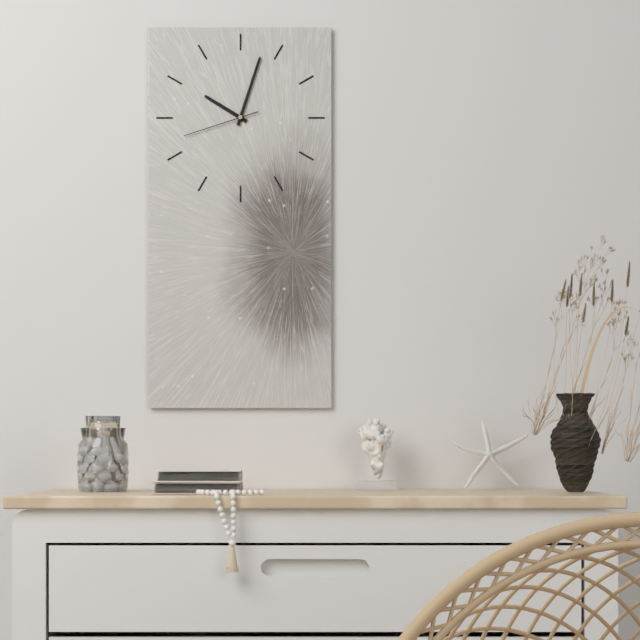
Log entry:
10h03m42s
